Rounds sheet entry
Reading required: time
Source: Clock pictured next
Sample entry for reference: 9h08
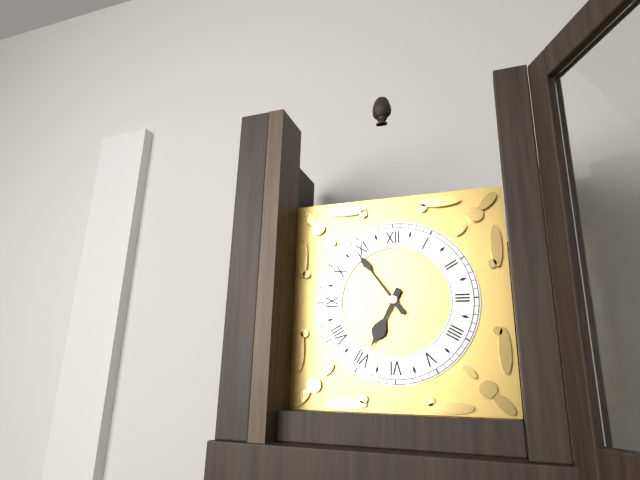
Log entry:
6h54
